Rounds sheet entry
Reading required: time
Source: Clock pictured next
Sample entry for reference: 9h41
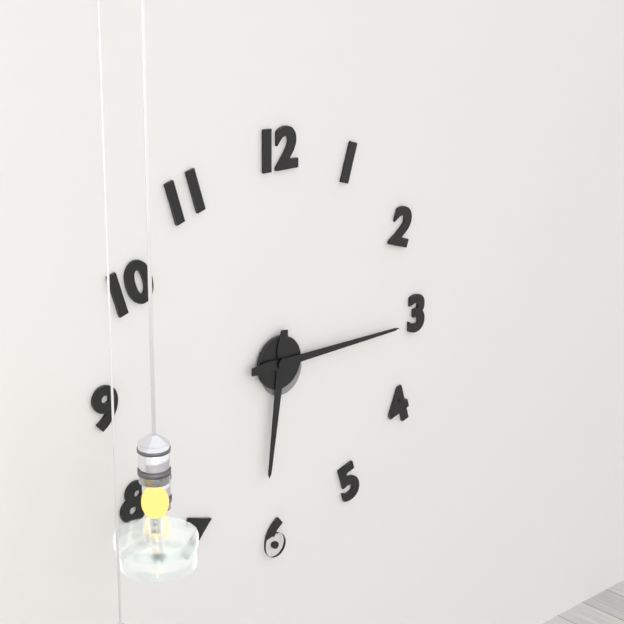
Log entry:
6h15
